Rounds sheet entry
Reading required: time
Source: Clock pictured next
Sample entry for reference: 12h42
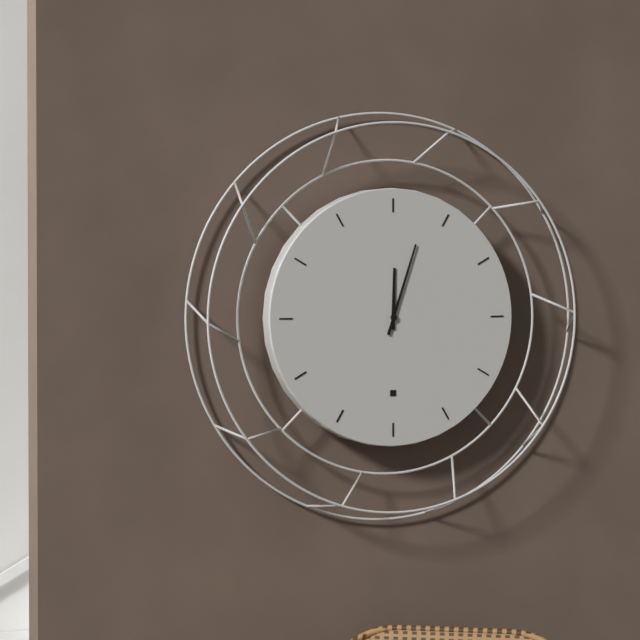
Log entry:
12h03
